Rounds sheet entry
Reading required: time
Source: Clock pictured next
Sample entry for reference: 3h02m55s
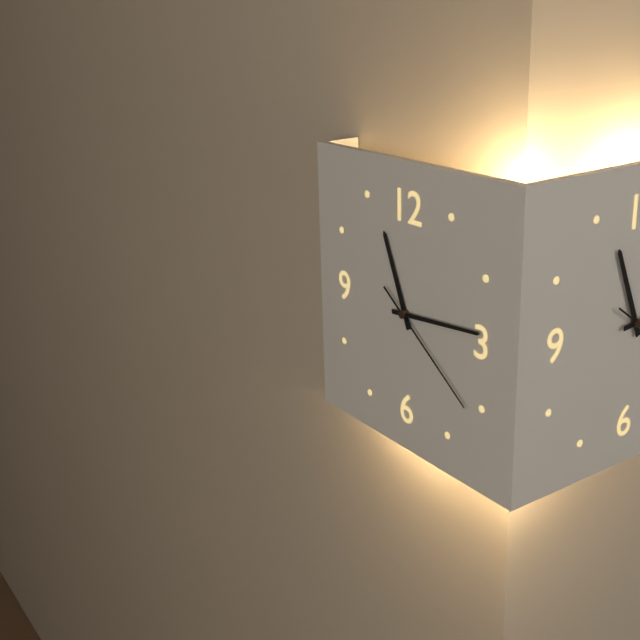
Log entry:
11h14m21s
